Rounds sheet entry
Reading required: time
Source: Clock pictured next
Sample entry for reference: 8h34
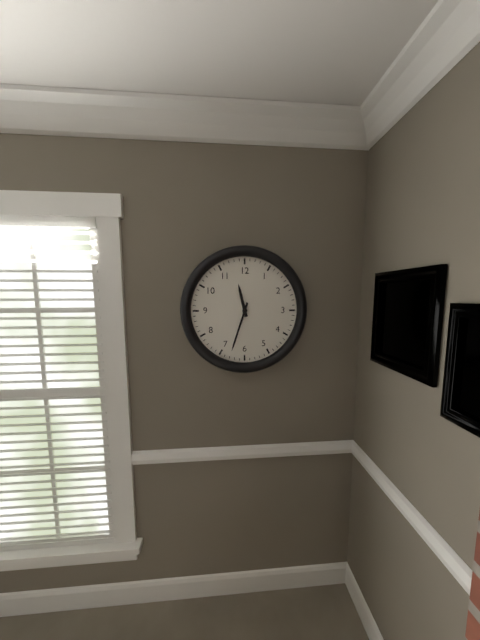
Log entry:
11h33
